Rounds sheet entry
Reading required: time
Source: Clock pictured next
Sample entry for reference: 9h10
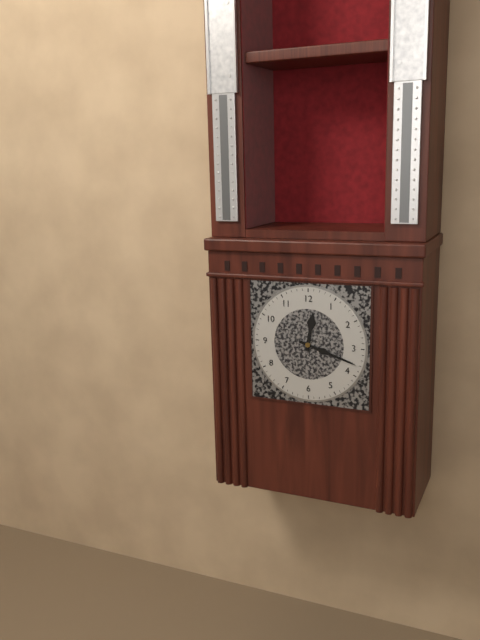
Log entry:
12h18
